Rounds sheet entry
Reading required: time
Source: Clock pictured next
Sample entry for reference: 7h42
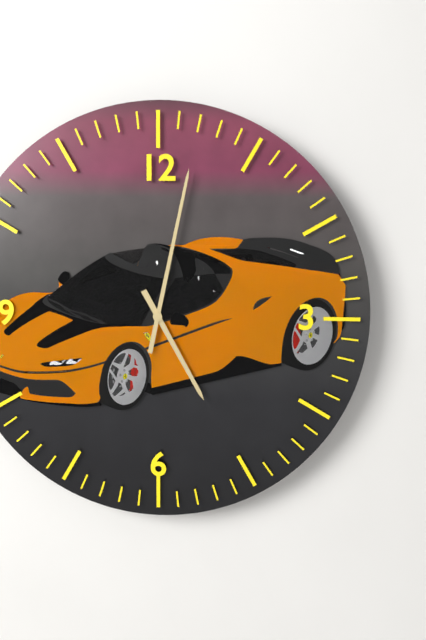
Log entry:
5h02
